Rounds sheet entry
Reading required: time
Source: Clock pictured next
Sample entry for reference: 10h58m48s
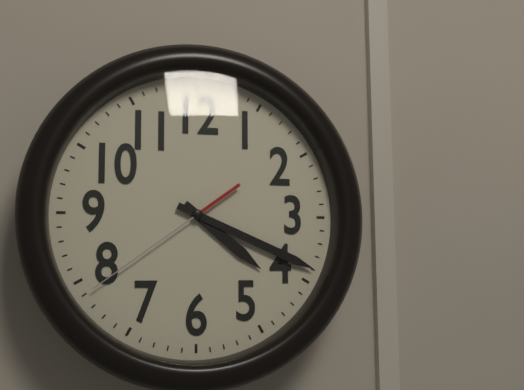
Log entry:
4h19m39s
